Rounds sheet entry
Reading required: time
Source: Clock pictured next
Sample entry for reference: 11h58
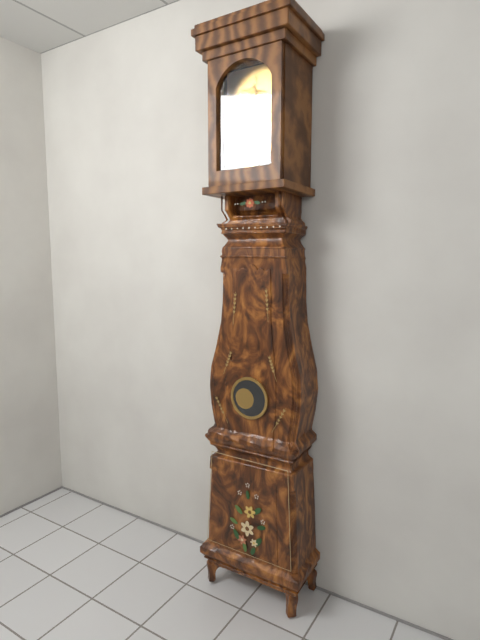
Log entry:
11h11
